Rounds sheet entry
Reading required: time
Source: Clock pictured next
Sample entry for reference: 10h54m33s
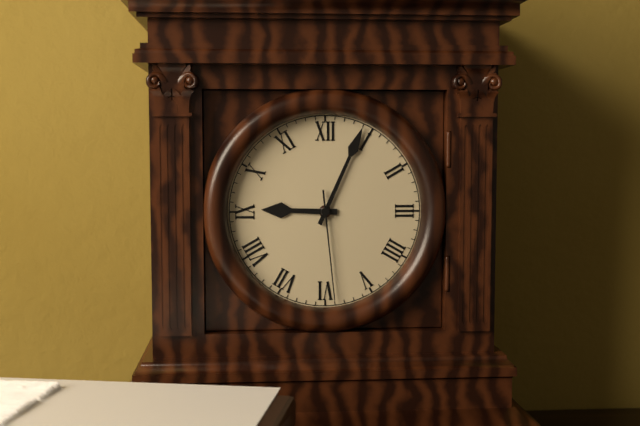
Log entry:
9h04m29s
